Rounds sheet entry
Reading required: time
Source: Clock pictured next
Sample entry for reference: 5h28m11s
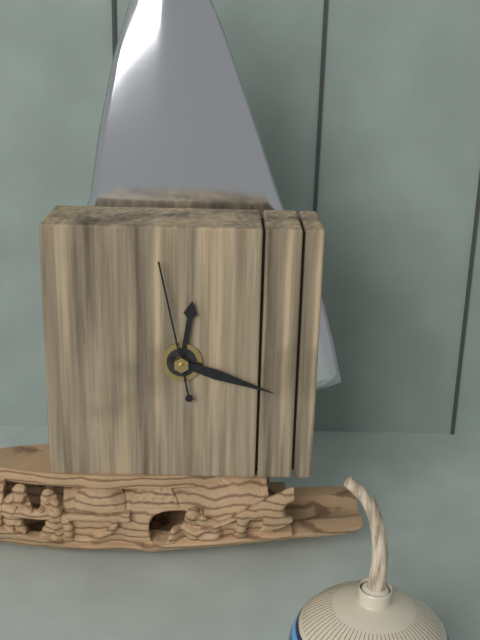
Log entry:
12h18m58s
